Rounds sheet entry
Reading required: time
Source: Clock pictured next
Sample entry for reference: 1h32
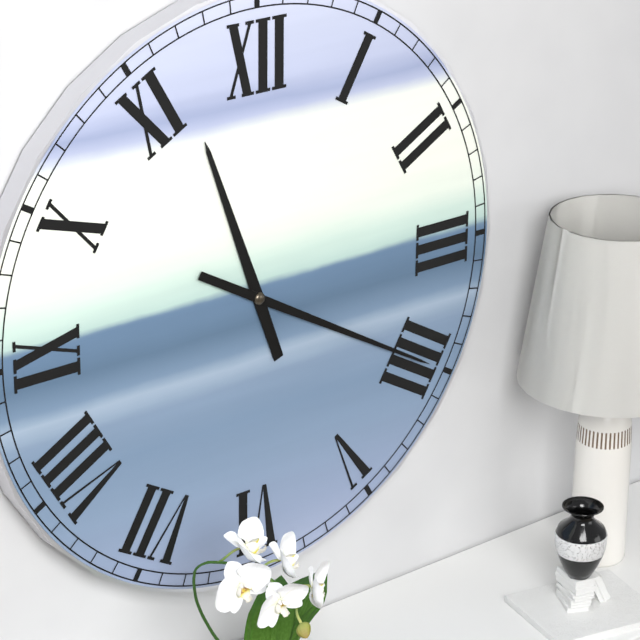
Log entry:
11h20
